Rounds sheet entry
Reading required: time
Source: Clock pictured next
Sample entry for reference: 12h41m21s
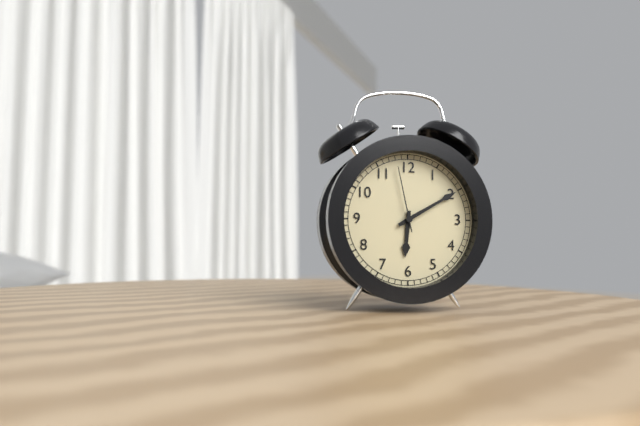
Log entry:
6h10m58s
